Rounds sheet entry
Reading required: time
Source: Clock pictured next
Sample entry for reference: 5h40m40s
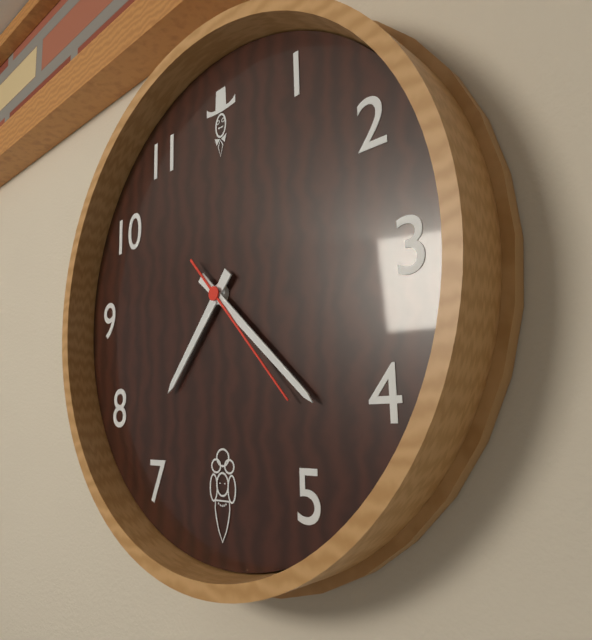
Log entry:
7h22m23s
